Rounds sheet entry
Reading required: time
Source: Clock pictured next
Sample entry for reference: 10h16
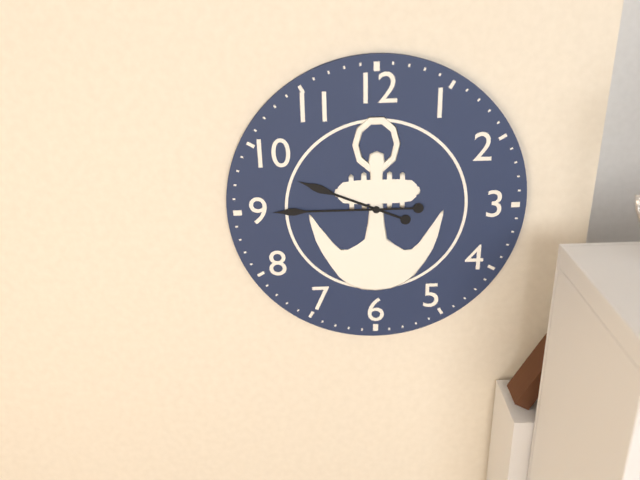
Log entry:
9h45
